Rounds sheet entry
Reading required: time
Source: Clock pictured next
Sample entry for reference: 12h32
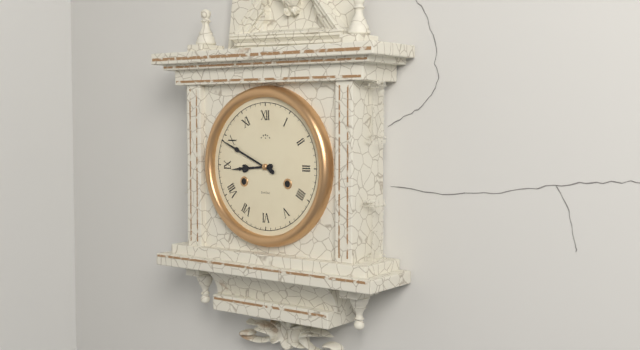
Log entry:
8h49
